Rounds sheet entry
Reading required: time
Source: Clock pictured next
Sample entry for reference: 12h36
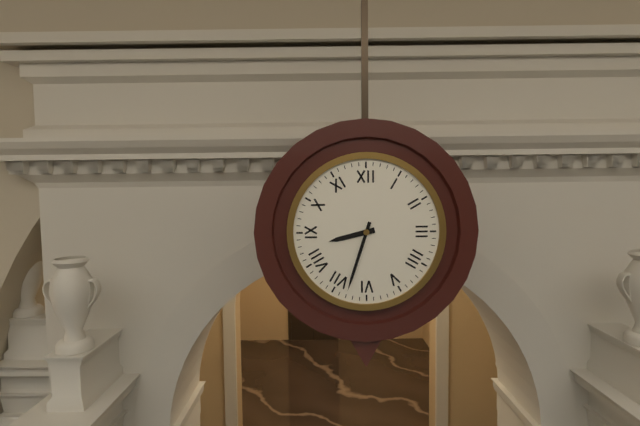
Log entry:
8h33
